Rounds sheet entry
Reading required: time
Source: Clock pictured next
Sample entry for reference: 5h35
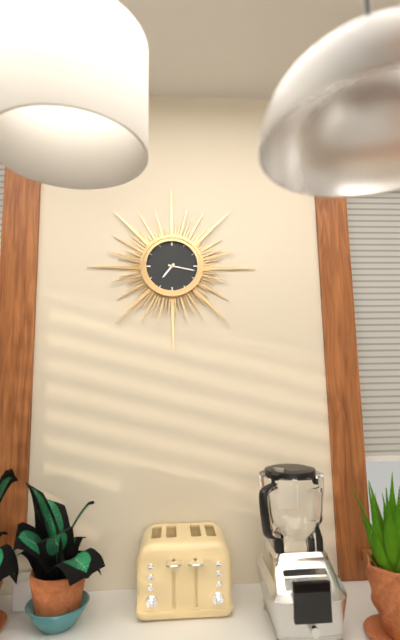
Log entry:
7h17
